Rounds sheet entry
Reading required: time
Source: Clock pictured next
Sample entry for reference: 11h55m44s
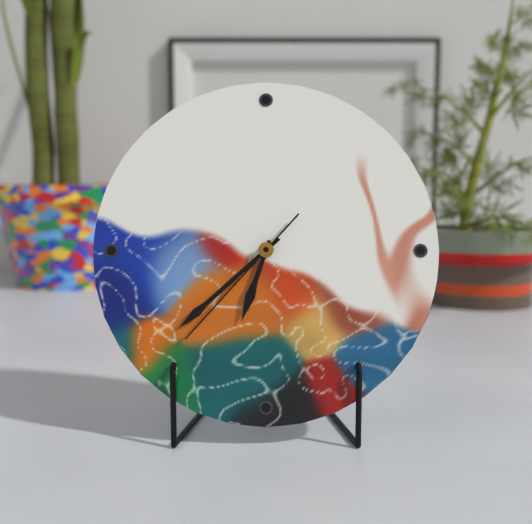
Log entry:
6h38m37s
